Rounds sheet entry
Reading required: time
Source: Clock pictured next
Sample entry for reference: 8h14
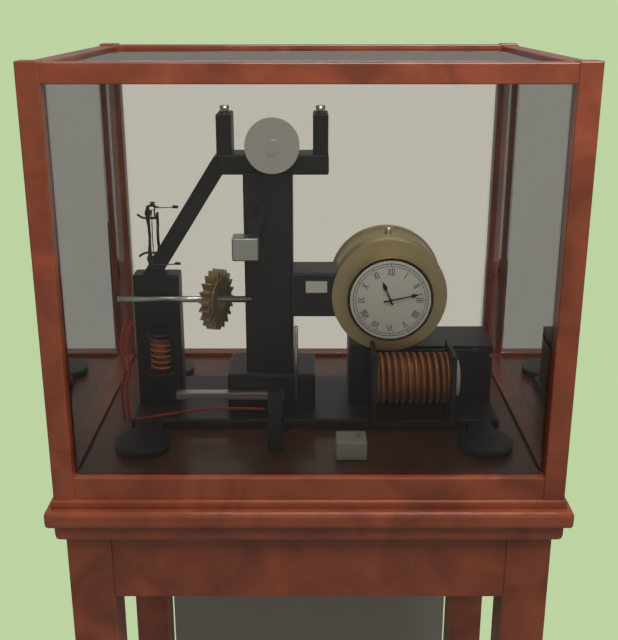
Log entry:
11h13
